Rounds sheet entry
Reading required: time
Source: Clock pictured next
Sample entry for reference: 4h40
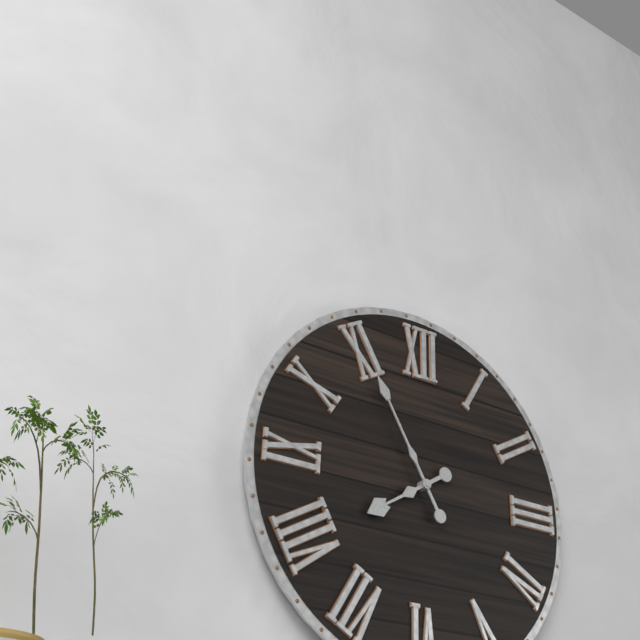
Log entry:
7h55
